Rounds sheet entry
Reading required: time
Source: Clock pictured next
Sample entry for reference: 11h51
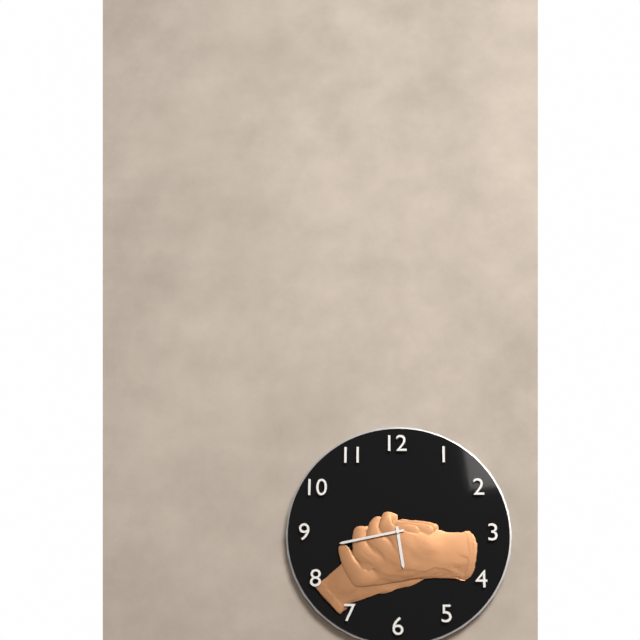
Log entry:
5h43
